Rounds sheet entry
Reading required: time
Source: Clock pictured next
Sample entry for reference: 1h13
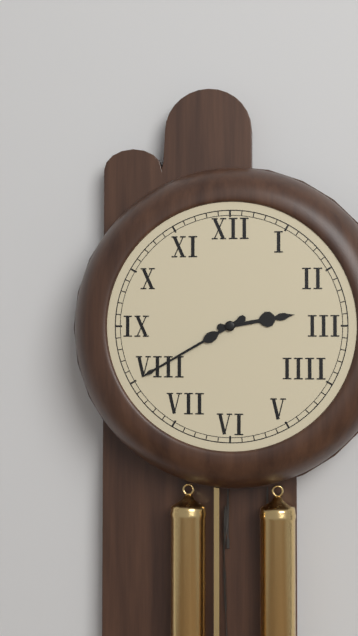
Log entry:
2h40
